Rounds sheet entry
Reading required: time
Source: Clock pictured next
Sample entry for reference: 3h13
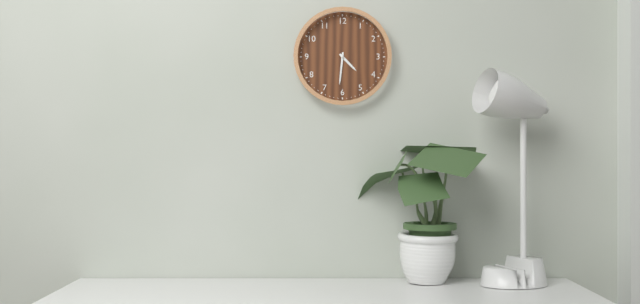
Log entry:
4h31
